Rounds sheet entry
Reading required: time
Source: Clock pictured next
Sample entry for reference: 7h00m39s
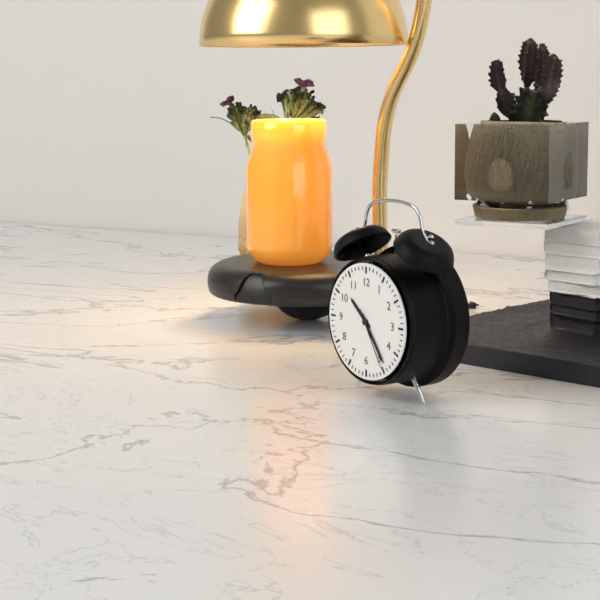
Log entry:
10h24m25s
